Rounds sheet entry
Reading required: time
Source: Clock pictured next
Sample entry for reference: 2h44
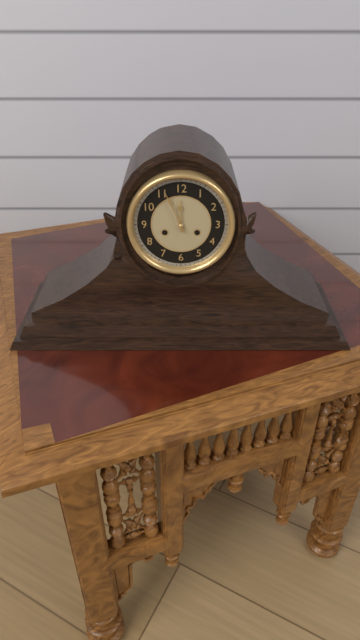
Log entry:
11h56
